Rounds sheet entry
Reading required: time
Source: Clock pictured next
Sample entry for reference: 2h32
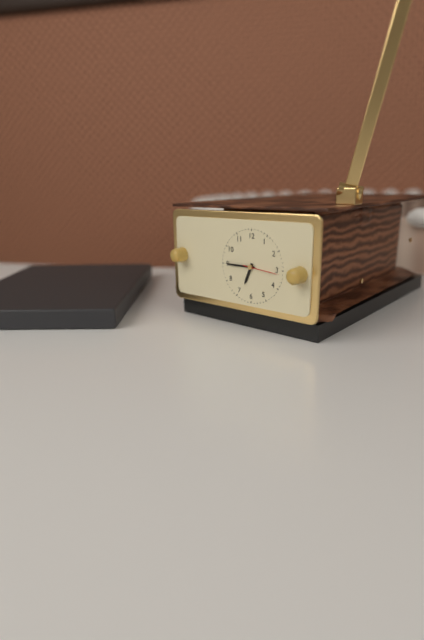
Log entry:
6h45
